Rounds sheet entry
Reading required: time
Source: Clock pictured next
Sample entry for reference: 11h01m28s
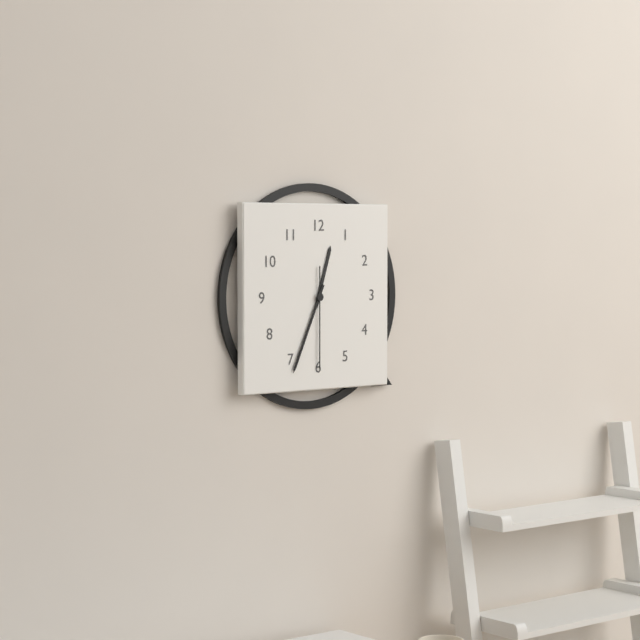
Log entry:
12h34m30s
